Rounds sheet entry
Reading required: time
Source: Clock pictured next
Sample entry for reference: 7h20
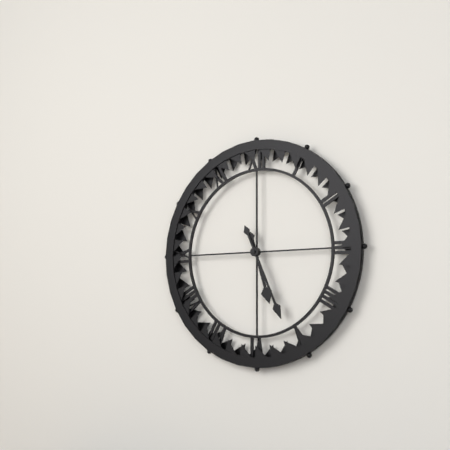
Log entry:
5h26
